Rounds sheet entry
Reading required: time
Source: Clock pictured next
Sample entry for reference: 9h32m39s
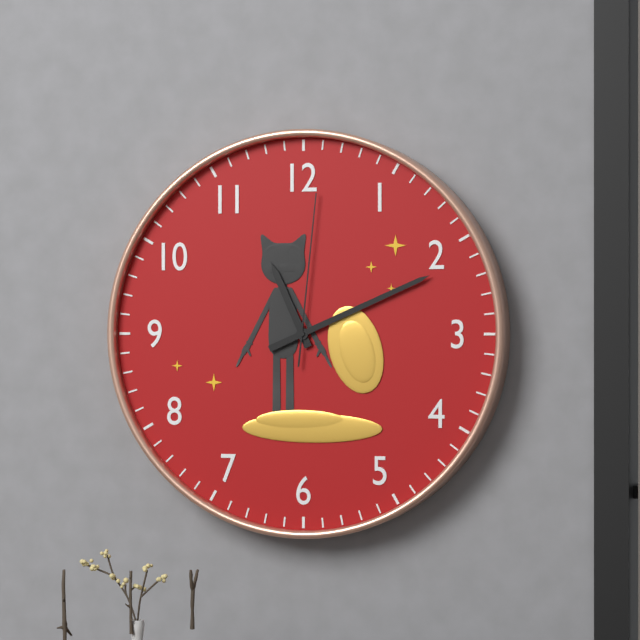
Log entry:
11h11m01s
